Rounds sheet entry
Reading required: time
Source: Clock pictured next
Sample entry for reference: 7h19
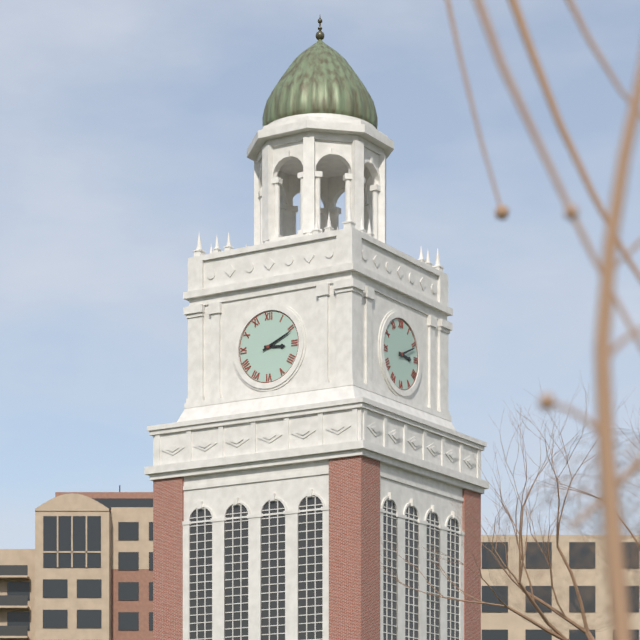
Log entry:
3h11
